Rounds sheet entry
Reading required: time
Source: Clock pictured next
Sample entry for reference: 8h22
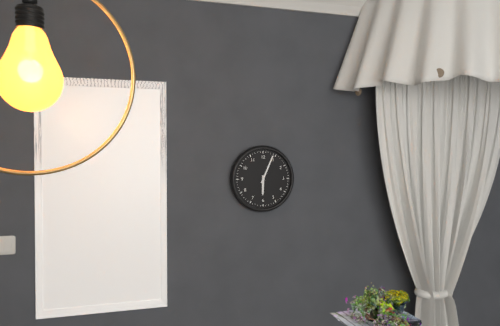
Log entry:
6h04
